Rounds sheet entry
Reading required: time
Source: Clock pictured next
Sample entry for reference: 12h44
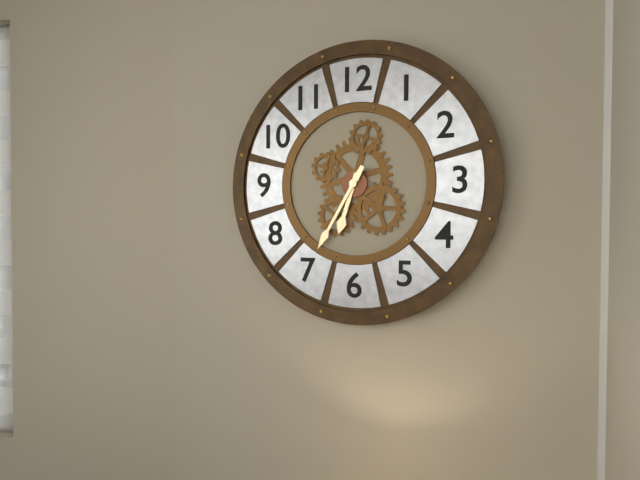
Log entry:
6h35
